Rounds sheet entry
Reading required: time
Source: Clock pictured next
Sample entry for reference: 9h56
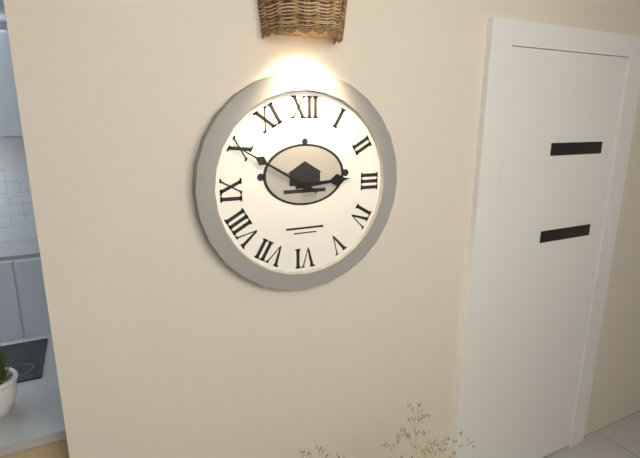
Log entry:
2h50
